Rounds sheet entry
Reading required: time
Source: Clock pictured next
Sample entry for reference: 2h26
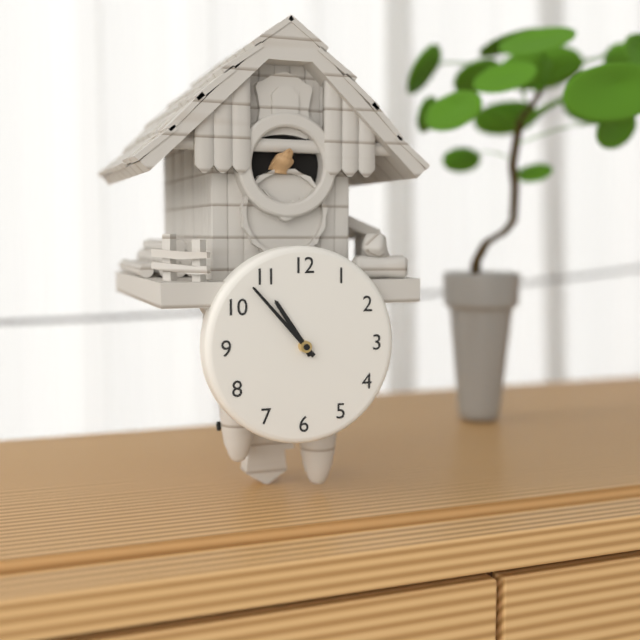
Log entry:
10h53
